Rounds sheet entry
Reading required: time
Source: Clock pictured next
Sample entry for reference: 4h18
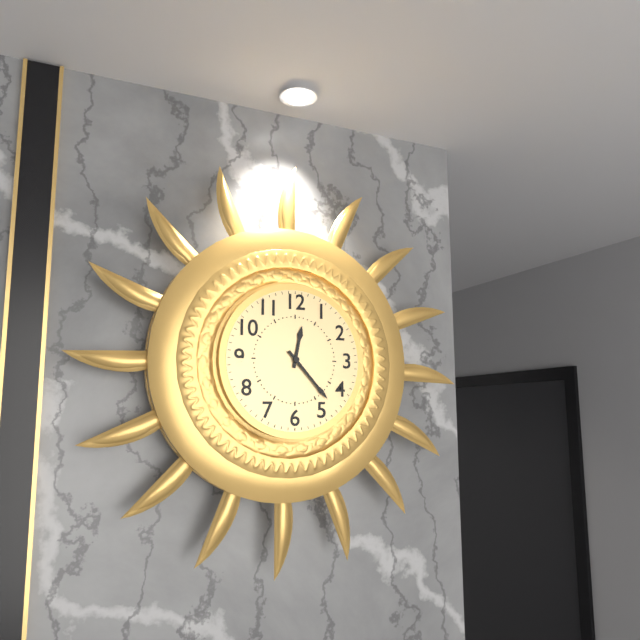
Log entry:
12h23
